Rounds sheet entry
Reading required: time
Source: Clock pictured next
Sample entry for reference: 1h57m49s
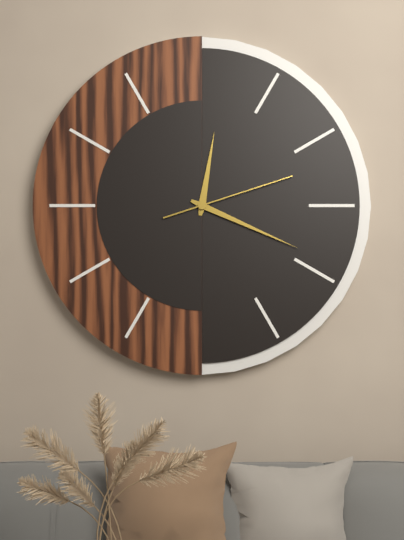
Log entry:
12h19m12s
